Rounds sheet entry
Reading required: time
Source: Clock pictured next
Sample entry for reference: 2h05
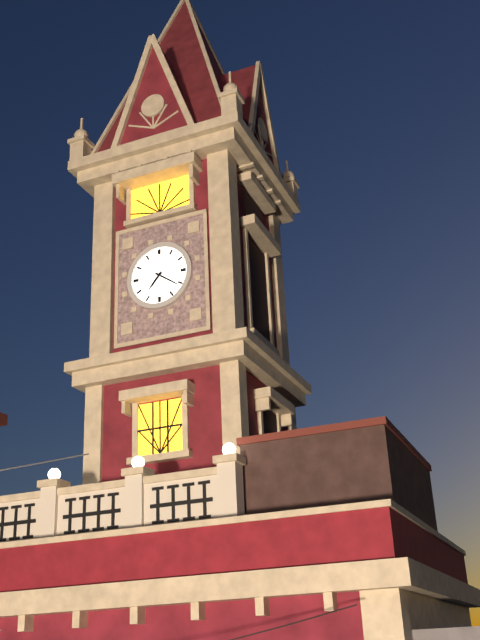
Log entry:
7h21
